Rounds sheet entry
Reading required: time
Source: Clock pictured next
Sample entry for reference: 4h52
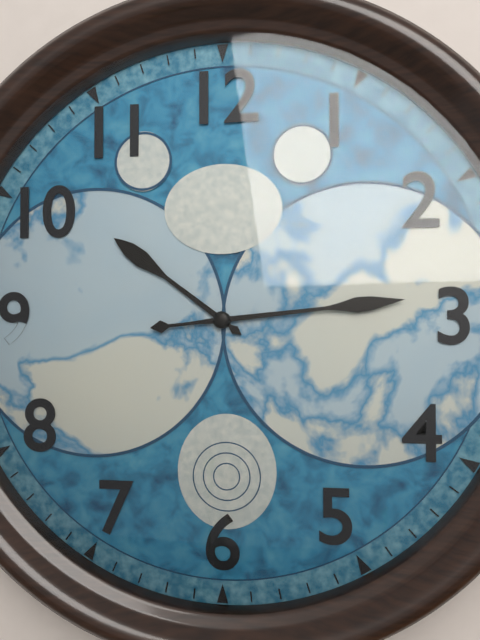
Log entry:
10h14
